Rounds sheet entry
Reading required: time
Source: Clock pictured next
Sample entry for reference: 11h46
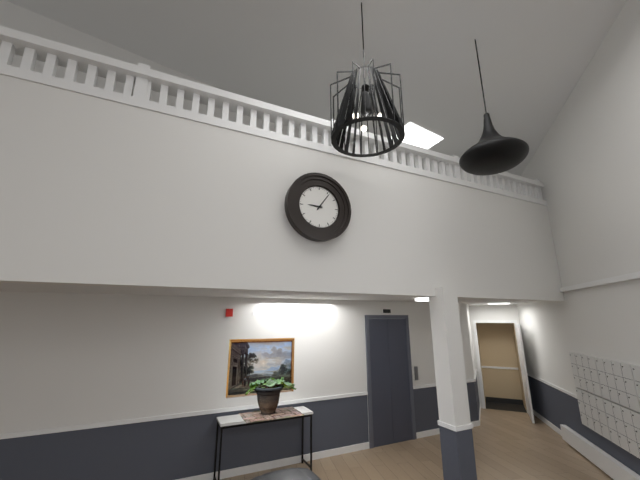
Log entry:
9h06
